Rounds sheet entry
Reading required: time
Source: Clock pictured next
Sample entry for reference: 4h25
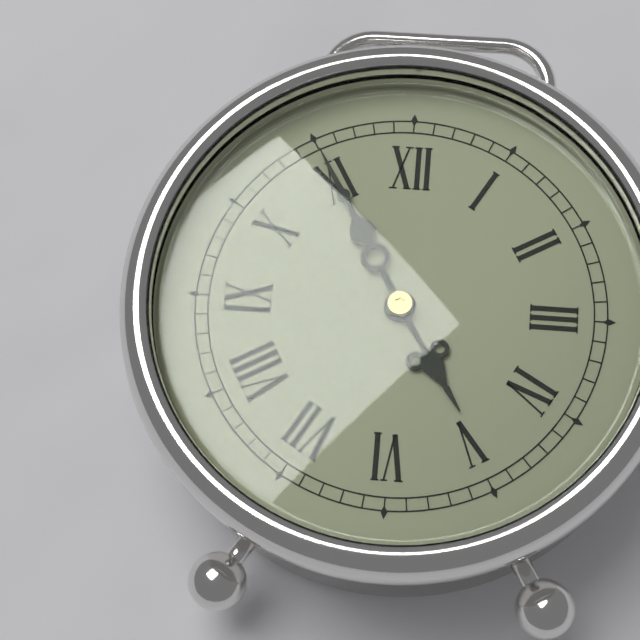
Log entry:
4h55
